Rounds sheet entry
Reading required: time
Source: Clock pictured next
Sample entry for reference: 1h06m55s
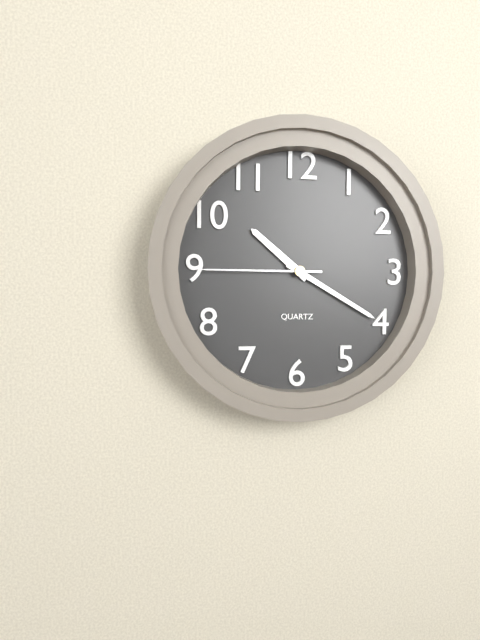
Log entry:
10h20m45s
